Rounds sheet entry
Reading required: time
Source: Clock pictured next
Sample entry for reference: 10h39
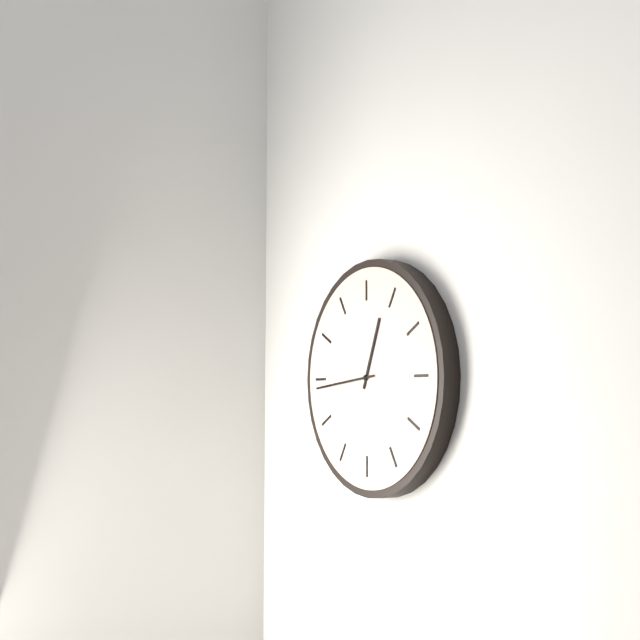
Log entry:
12h44
